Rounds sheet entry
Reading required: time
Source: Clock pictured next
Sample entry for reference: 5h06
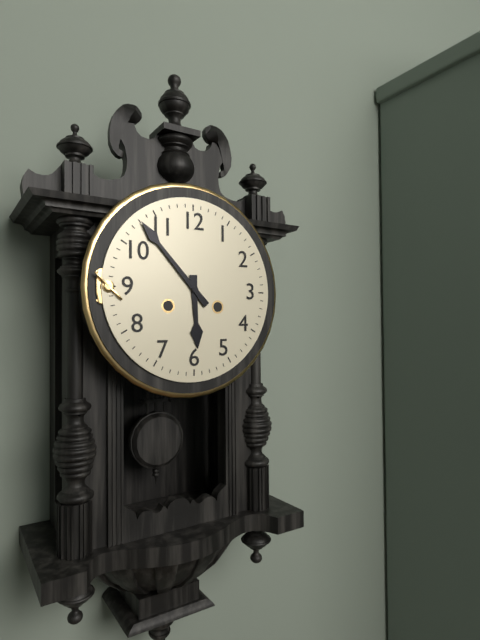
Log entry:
5h53
